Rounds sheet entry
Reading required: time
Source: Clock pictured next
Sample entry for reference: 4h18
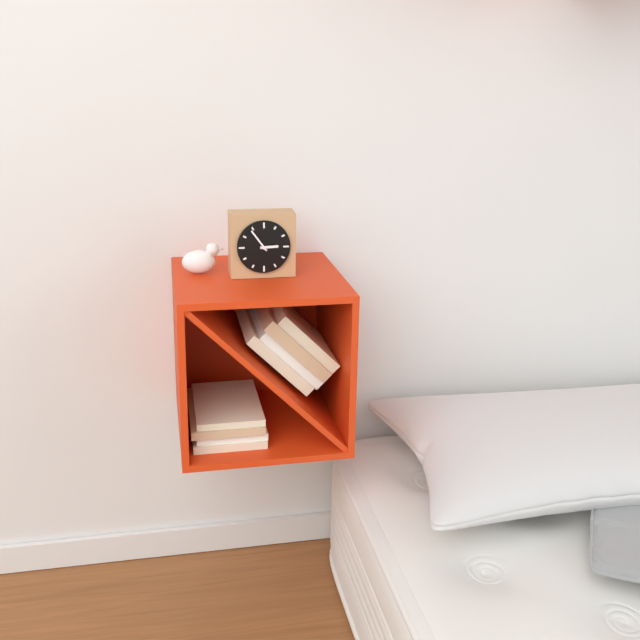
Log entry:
2h54
